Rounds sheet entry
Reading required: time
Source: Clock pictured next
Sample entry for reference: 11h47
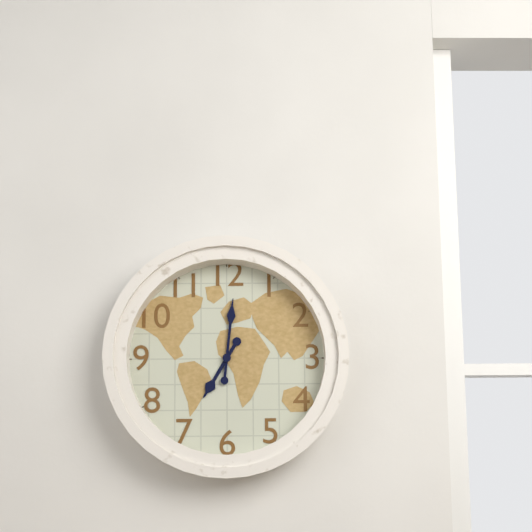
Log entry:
7h01
